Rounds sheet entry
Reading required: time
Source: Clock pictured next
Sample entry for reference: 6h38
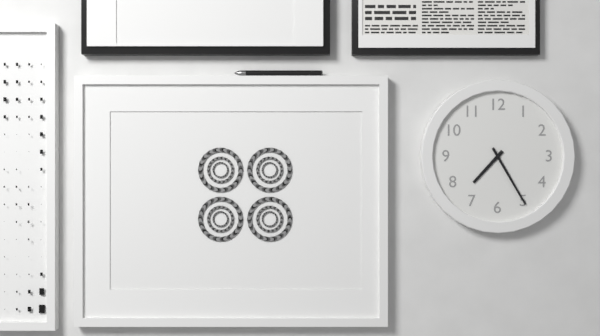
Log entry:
7h25
